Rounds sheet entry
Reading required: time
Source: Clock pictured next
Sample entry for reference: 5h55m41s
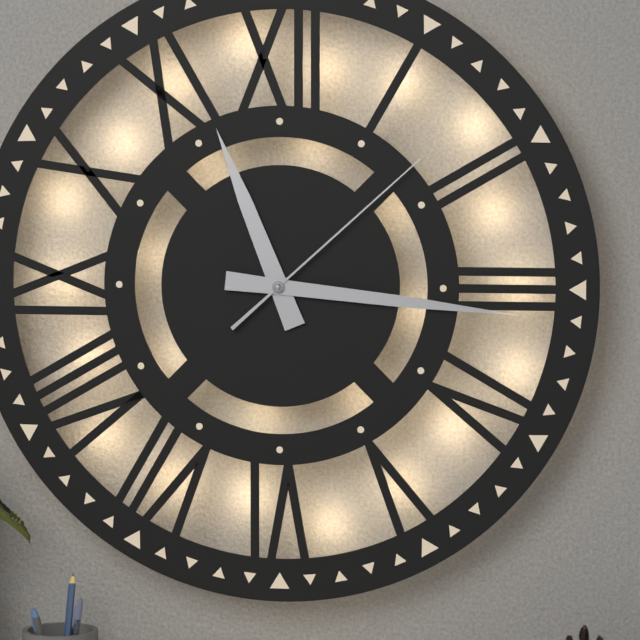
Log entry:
11h16m08s
